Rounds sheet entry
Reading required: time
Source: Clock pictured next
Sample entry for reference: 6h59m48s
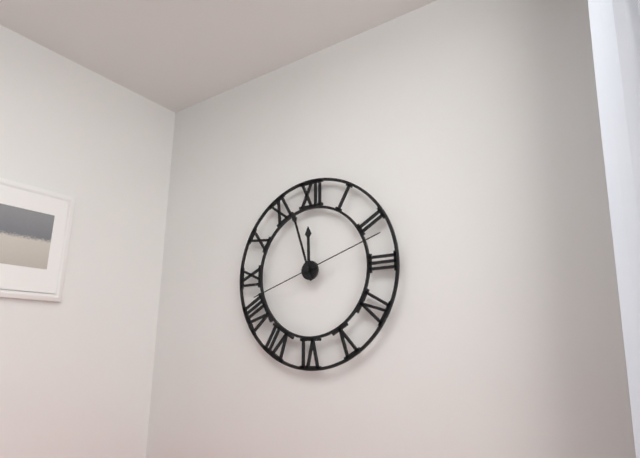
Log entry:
11h57m12s
